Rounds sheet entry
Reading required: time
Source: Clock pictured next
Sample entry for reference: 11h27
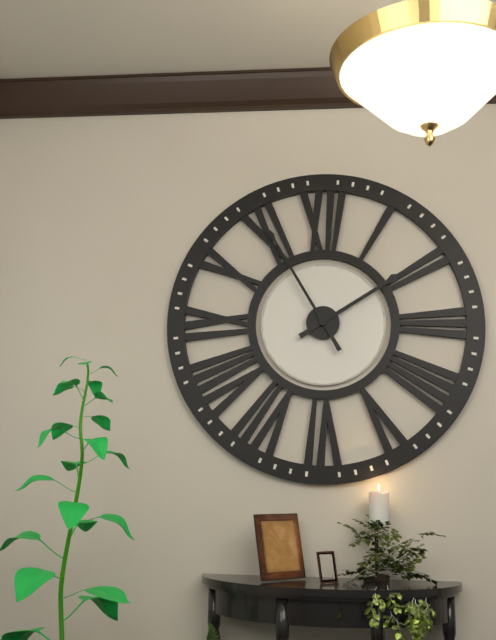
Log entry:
1h55
